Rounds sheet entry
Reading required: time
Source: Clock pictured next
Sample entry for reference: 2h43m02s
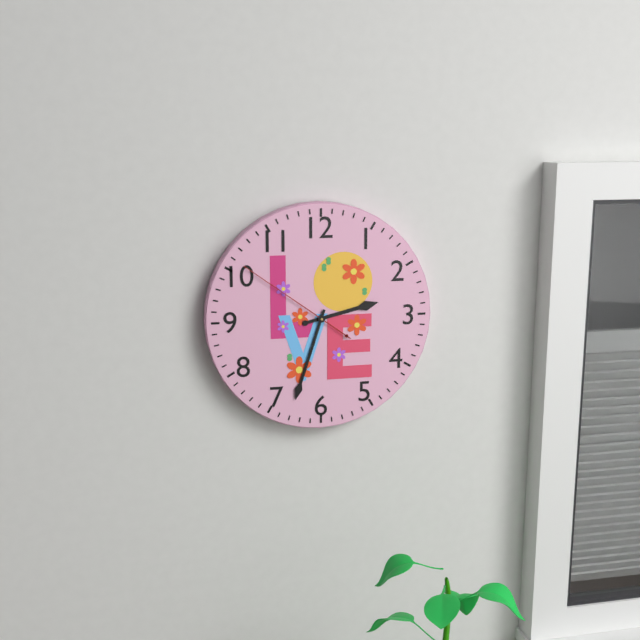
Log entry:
2h33m51s
